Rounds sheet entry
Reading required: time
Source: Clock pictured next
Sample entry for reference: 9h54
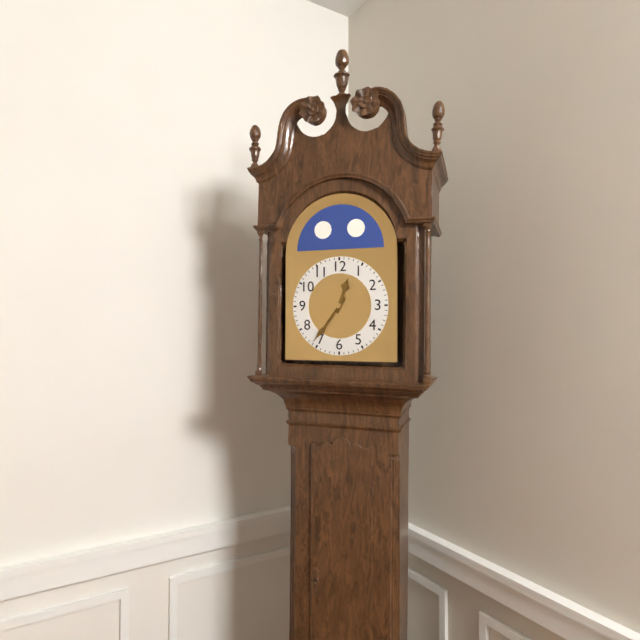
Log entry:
12h36
